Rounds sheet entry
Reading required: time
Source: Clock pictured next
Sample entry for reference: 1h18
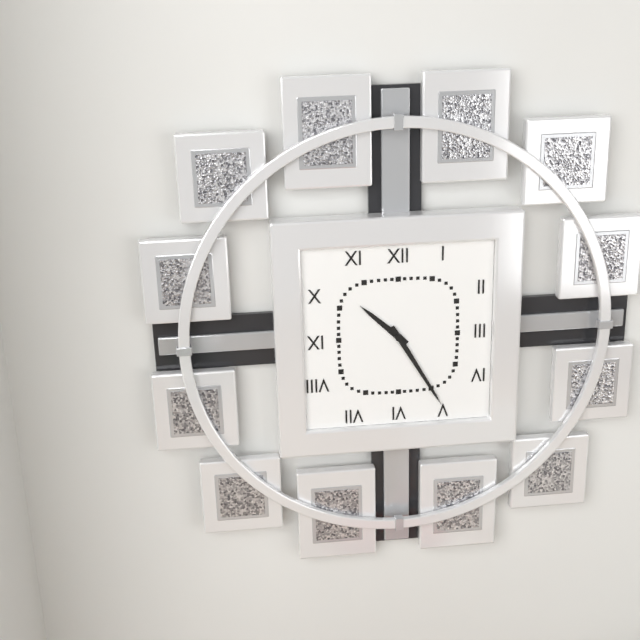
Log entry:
10h25
